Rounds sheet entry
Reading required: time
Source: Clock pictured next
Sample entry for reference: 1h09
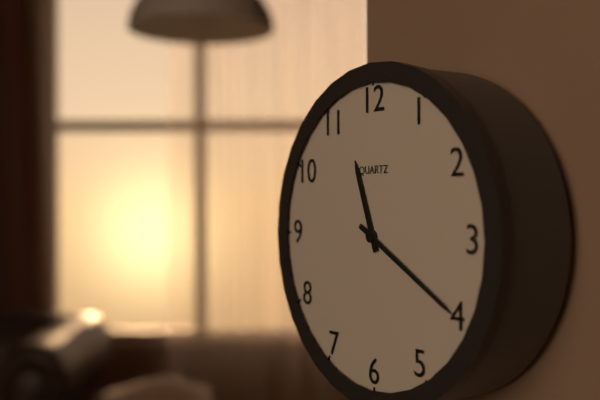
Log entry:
11h20
